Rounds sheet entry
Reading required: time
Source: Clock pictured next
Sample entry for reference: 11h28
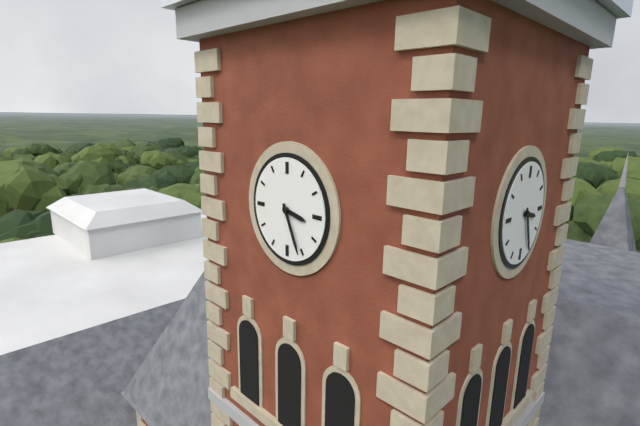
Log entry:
3h26
